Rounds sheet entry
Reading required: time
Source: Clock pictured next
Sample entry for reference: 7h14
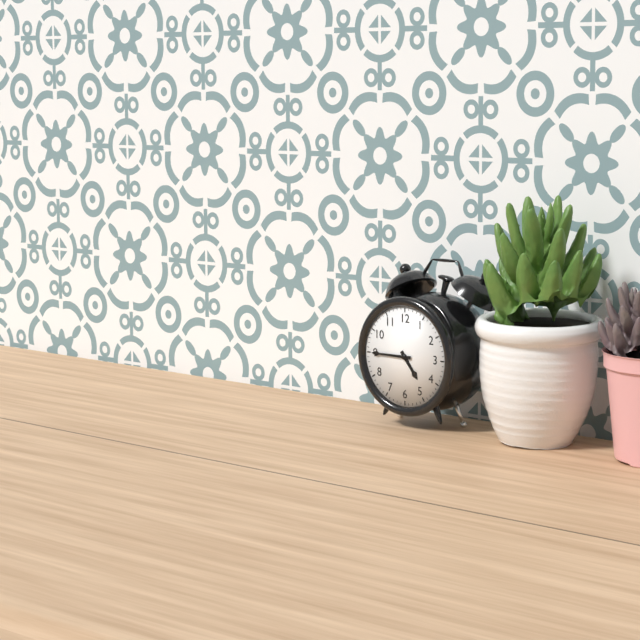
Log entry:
4h45
